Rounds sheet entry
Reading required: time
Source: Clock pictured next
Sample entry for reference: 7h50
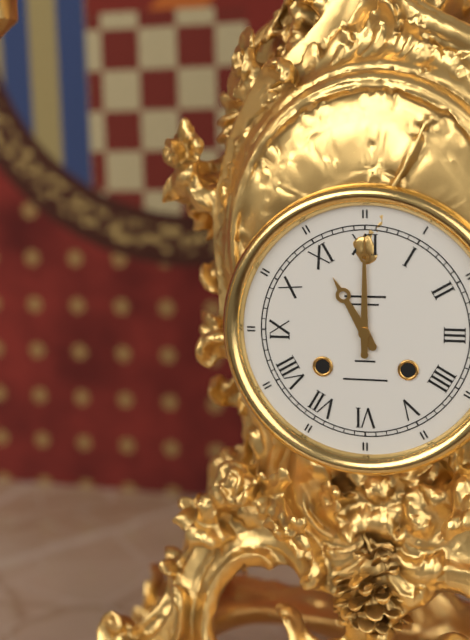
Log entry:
11h00
